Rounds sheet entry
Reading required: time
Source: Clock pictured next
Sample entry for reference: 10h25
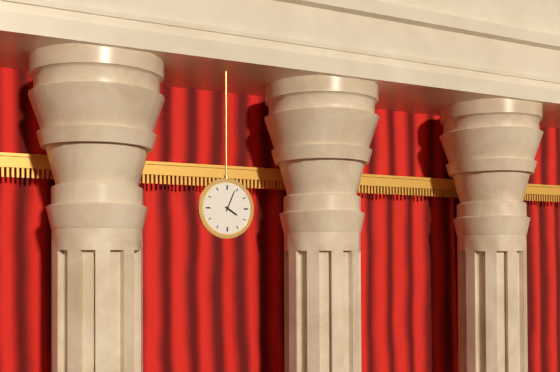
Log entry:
4h04
